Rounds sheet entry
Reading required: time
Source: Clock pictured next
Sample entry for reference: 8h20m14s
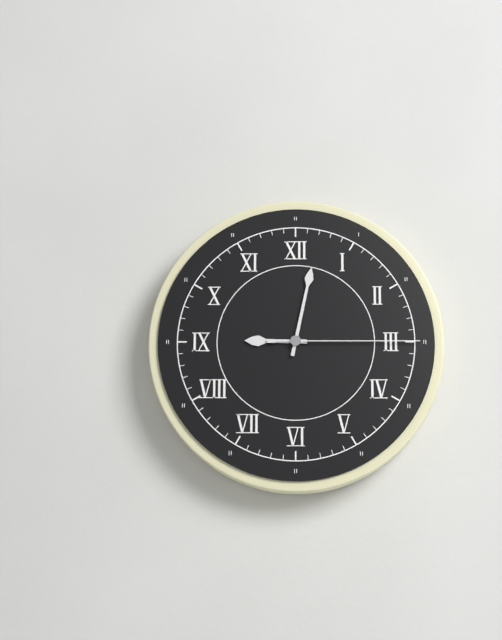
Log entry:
9h02m15s
